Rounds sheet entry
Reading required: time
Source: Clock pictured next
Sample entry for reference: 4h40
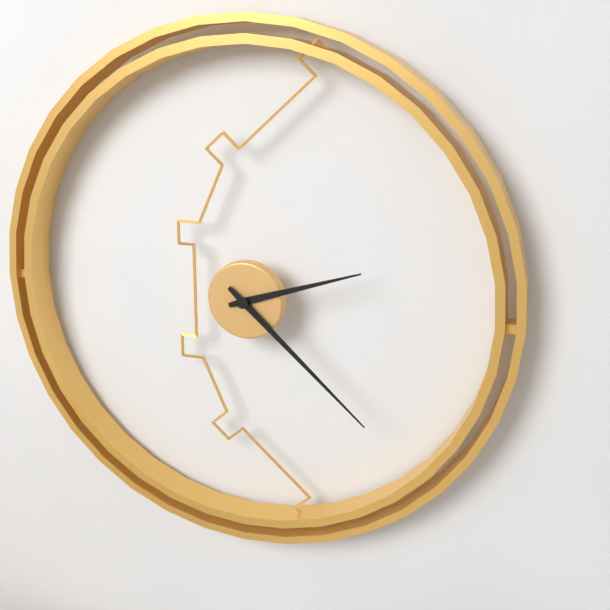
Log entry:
2h22
